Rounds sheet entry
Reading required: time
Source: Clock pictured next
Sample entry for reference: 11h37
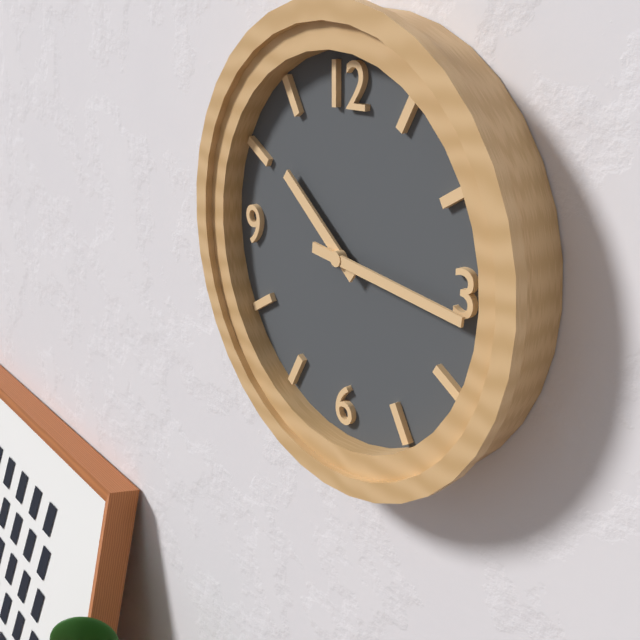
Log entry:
10h16
